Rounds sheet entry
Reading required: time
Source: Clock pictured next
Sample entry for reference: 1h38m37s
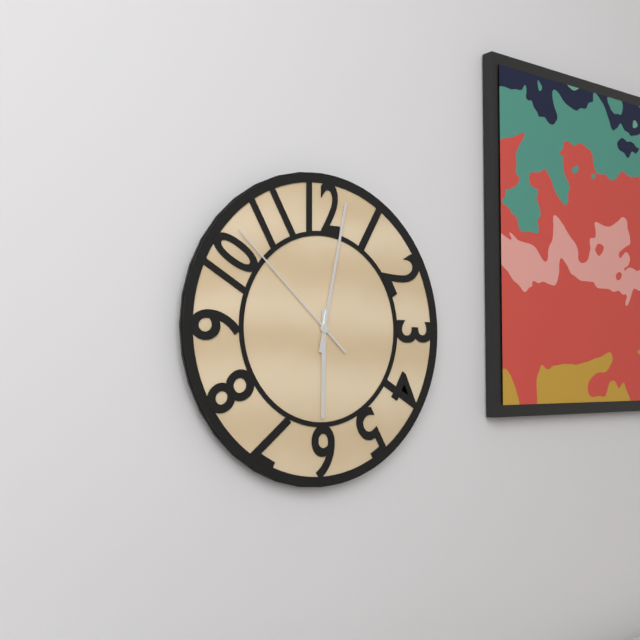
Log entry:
6h02m52s
